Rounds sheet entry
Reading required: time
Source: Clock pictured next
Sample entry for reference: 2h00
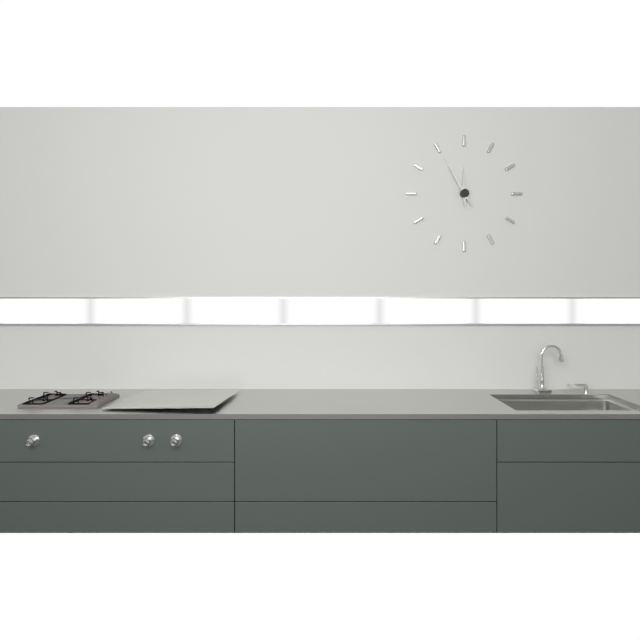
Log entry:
11h55
